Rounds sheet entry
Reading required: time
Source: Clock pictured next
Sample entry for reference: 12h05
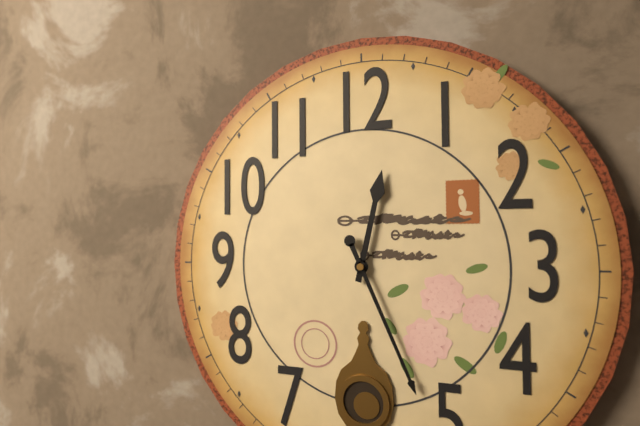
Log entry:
12h26
